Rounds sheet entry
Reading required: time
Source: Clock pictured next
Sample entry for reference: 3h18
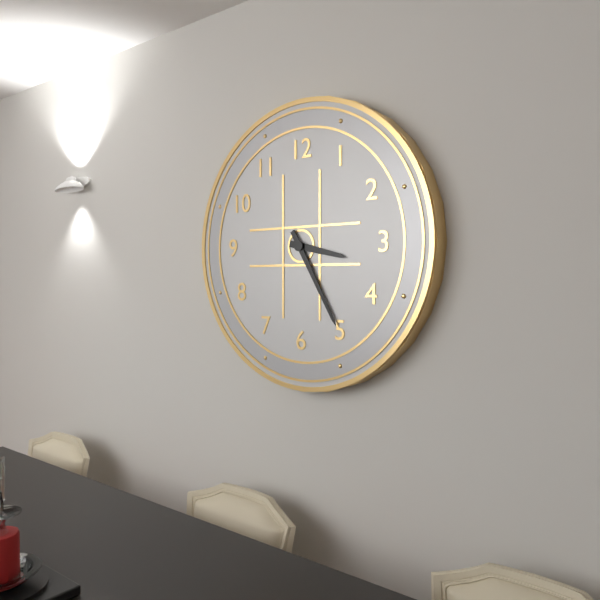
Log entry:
3h25
